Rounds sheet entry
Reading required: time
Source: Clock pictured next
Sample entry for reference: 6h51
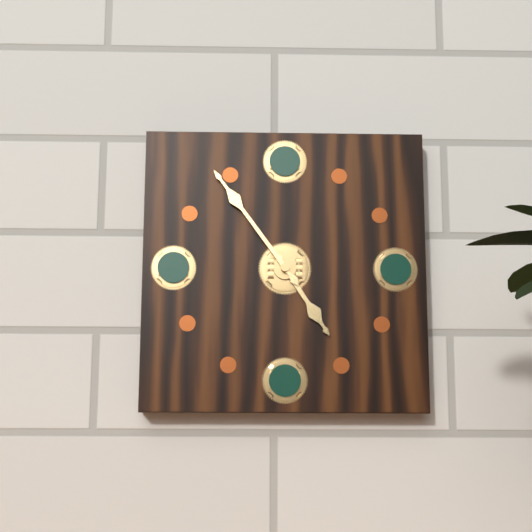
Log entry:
4h54
